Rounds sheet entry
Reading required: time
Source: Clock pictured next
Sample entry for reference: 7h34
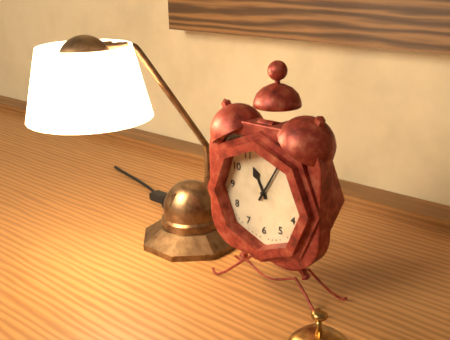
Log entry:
11h05
